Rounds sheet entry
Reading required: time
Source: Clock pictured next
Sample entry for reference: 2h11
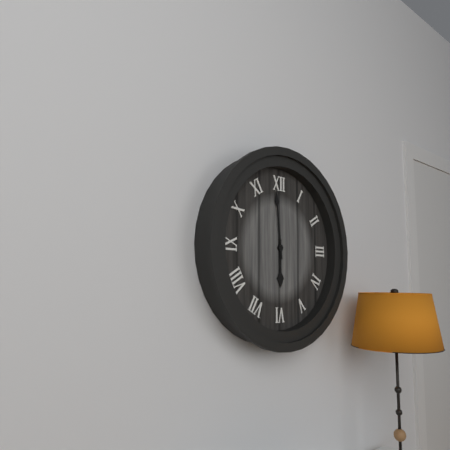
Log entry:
5h59
